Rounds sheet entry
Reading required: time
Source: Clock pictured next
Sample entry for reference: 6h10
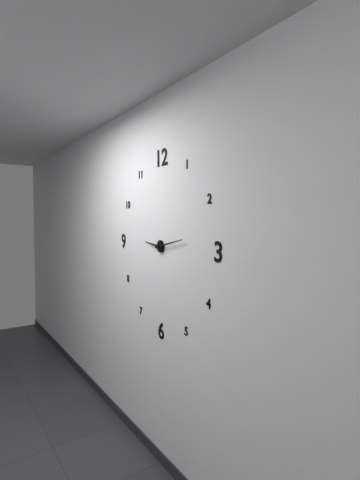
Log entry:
9h13
